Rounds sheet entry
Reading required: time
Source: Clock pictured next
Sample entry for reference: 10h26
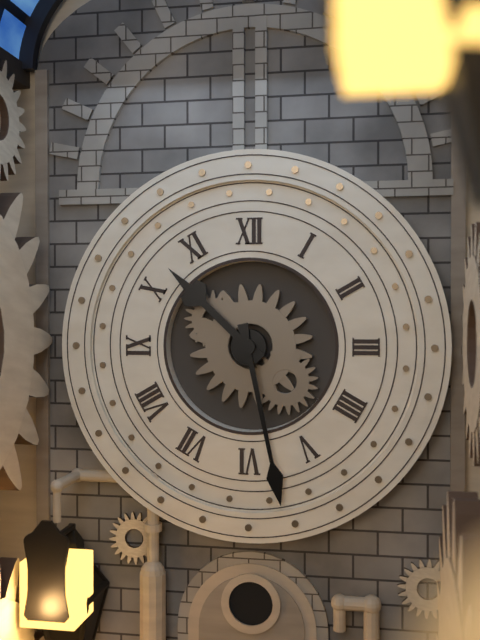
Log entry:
10h28
